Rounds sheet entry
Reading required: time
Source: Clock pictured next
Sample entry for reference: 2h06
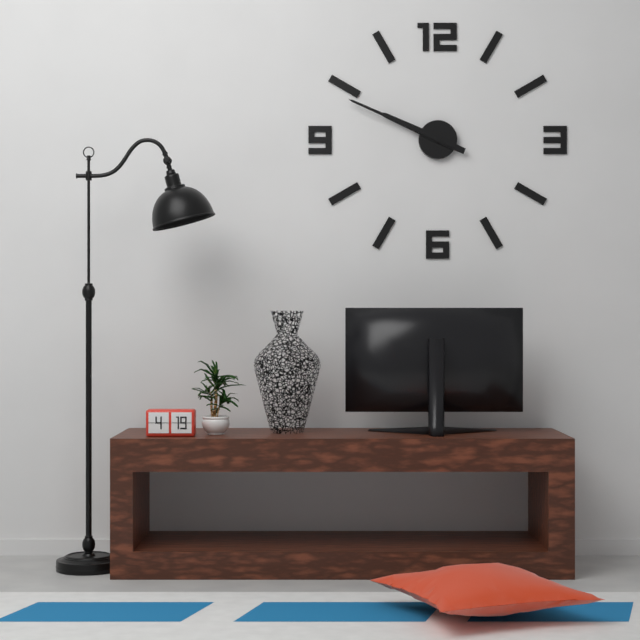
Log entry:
9h49
